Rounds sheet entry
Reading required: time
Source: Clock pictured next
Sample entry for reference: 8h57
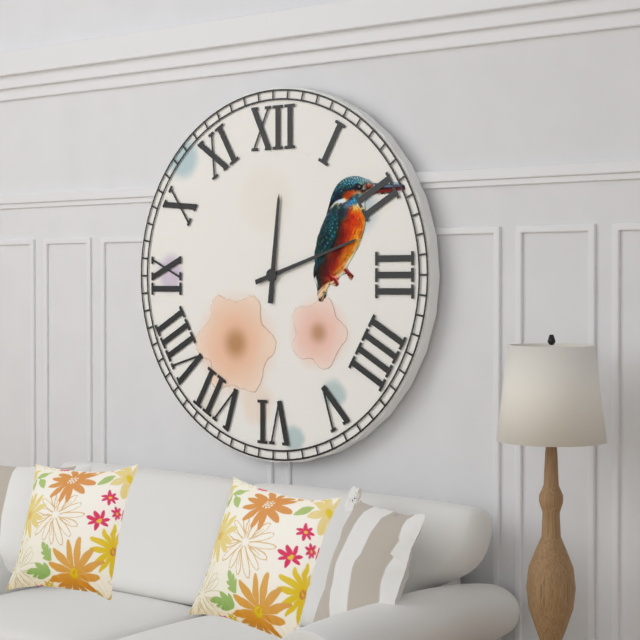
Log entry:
12h12
